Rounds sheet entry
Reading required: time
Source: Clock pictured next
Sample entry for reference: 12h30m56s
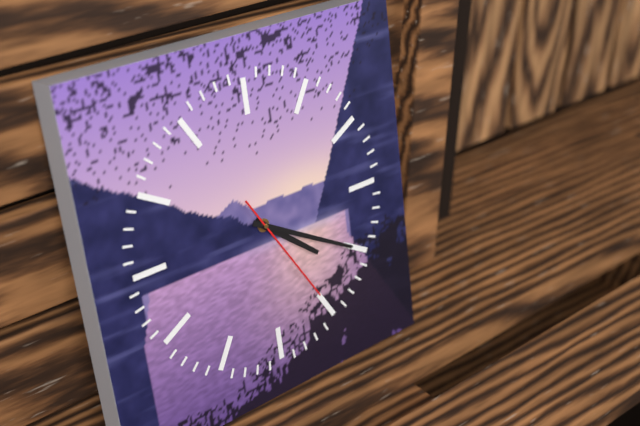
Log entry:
4h20m25s
